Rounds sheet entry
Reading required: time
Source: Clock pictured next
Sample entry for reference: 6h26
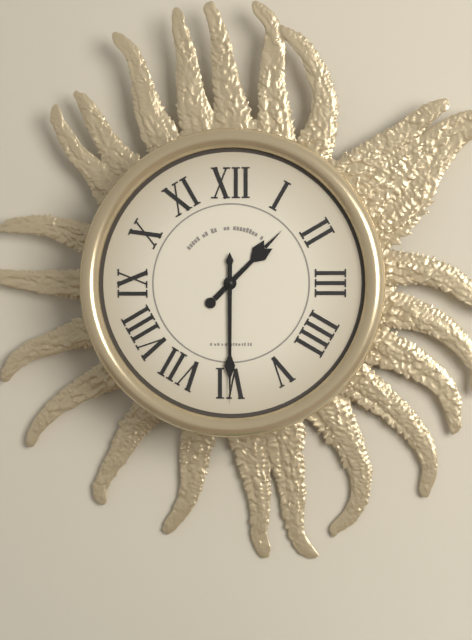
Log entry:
1h30
